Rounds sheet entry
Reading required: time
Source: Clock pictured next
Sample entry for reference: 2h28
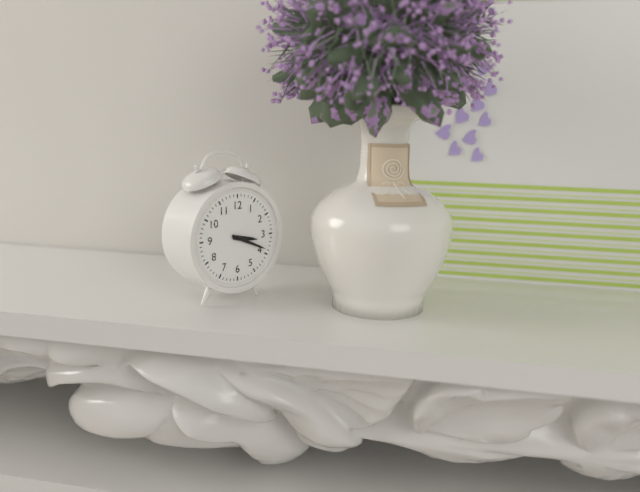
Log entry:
3h19
